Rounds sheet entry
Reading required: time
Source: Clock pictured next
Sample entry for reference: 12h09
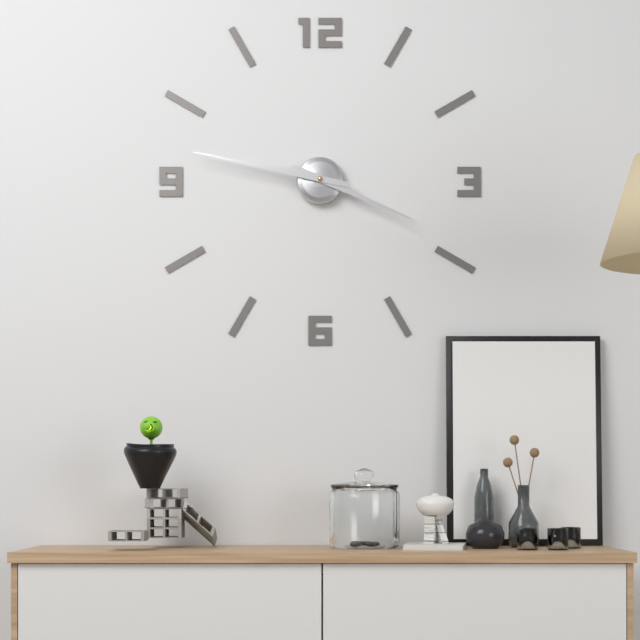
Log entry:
3h47
